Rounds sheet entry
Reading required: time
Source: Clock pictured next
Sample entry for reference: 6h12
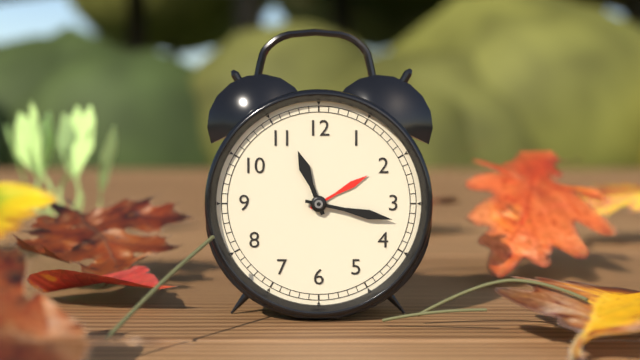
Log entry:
11h17
